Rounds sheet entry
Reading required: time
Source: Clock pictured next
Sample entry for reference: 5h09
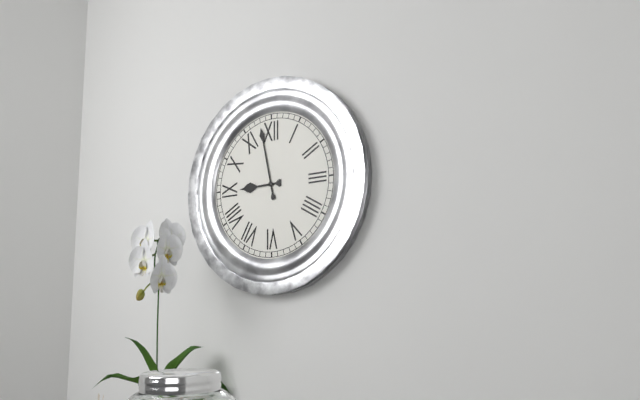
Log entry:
8h58
